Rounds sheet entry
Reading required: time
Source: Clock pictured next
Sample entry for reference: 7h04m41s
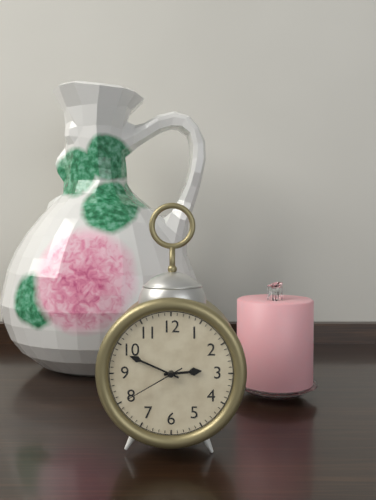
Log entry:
2h49m40s
